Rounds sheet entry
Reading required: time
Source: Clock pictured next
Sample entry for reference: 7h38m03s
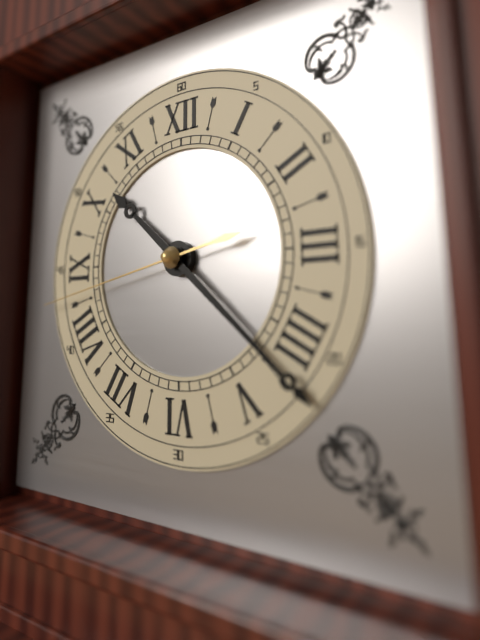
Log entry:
10h22m43s
